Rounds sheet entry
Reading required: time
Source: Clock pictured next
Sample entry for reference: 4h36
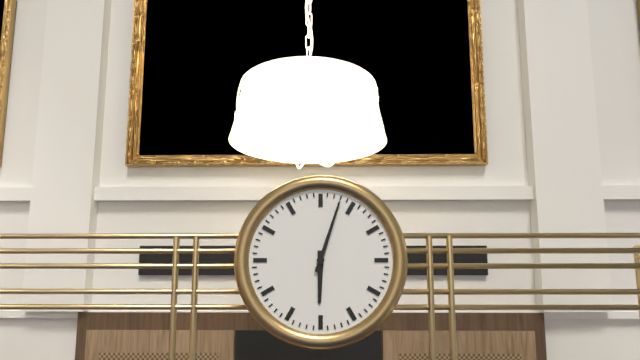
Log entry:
6h03
